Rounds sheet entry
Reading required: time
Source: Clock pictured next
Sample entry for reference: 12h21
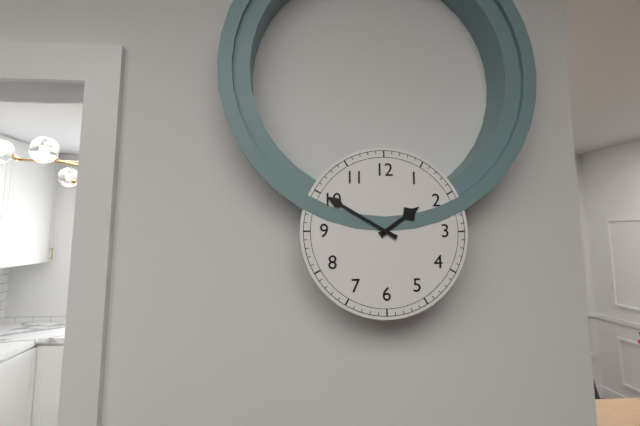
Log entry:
1h50
